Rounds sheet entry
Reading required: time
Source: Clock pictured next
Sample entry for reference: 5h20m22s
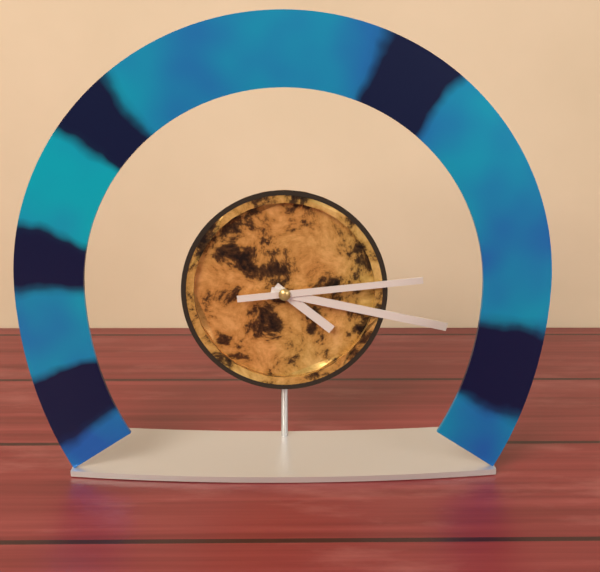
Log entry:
4h17m14s
